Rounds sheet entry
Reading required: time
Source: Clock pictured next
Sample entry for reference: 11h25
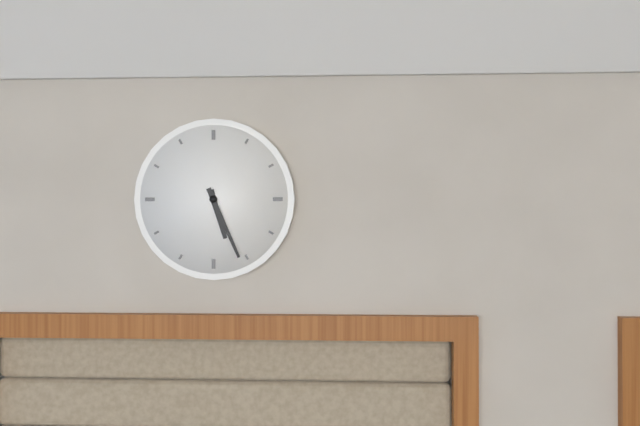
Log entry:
5h26
